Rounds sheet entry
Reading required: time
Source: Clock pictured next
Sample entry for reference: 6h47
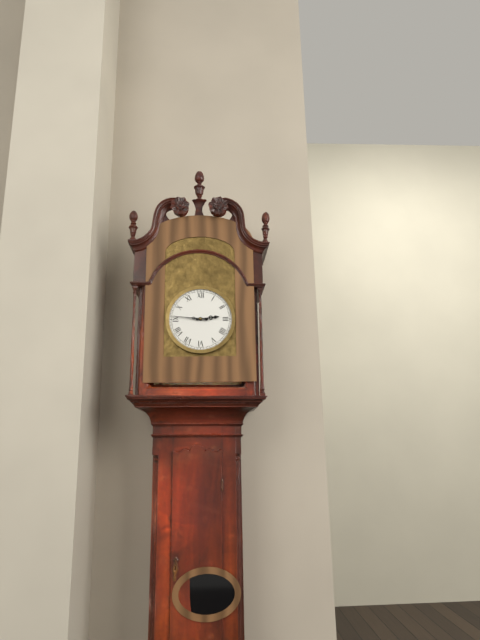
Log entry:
2h46
